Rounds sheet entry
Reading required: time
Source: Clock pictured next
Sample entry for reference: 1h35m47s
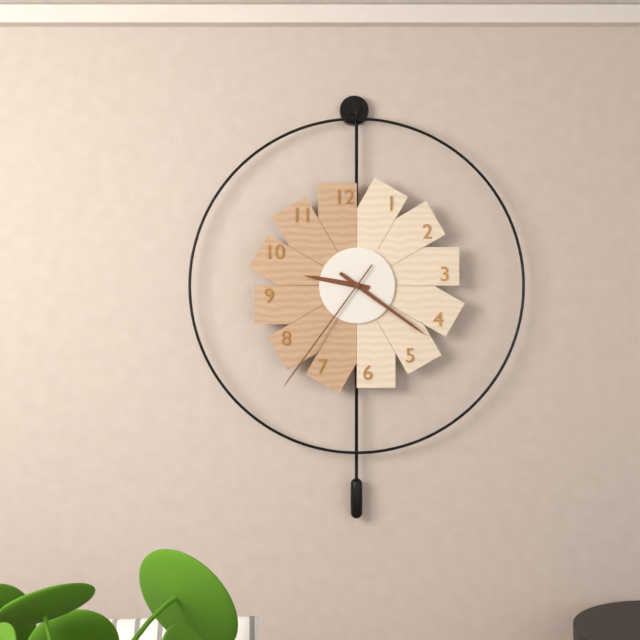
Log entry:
9h21m36s
